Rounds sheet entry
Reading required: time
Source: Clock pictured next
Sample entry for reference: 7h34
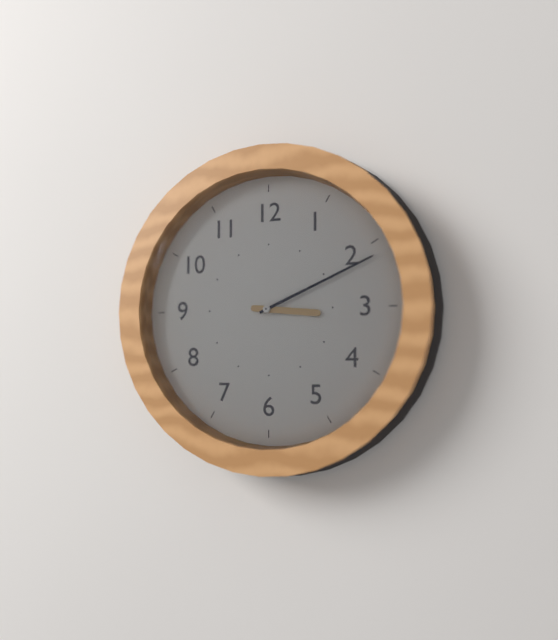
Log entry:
3h11
